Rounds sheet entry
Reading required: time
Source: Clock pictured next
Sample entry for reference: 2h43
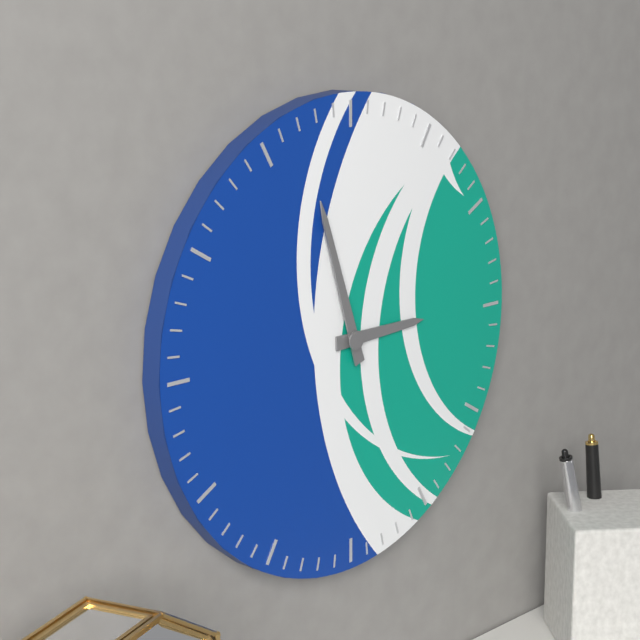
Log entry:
2h57
